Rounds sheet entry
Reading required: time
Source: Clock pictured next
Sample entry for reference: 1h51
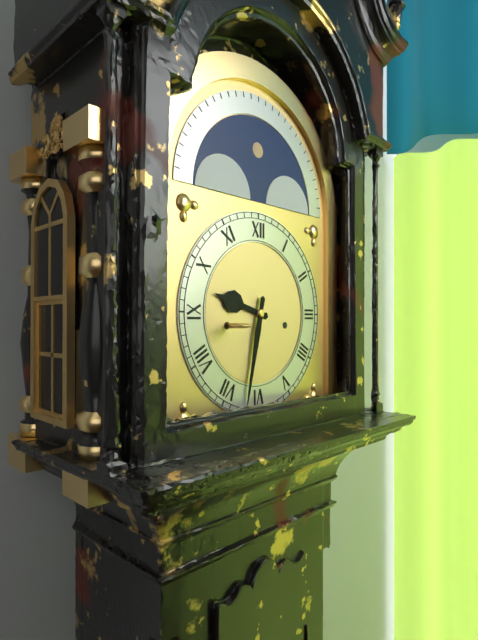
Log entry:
9h32
